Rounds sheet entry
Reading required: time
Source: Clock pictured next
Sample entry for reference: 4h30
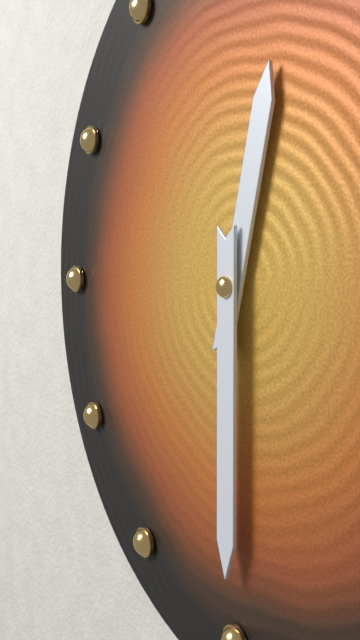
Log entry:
12h30
